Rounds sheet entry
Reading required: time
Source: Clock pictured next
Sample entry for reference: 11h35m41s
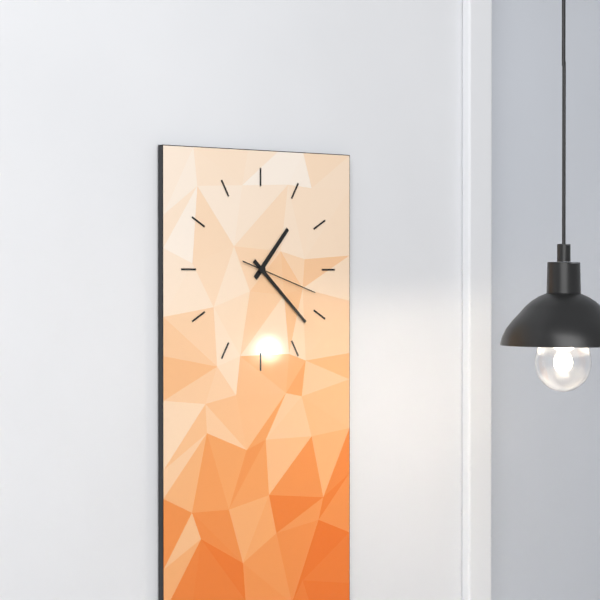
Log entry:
1h22m18s
